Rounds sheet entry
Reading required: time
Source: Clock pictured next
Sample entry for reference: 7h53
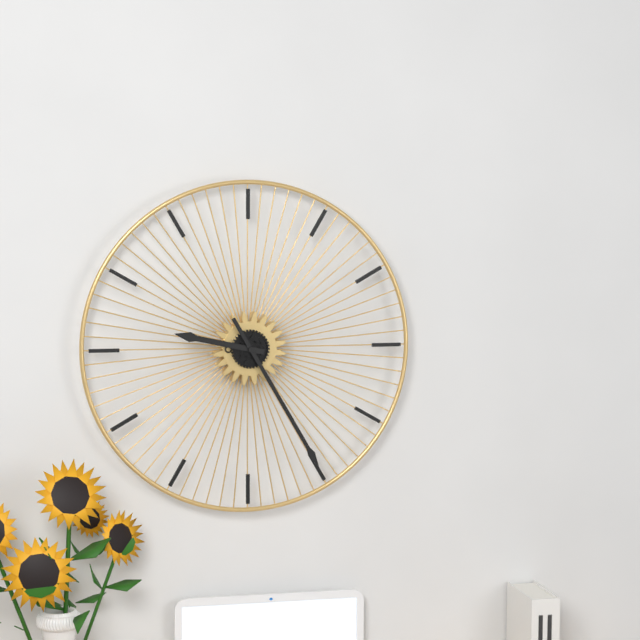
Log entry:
9h25
